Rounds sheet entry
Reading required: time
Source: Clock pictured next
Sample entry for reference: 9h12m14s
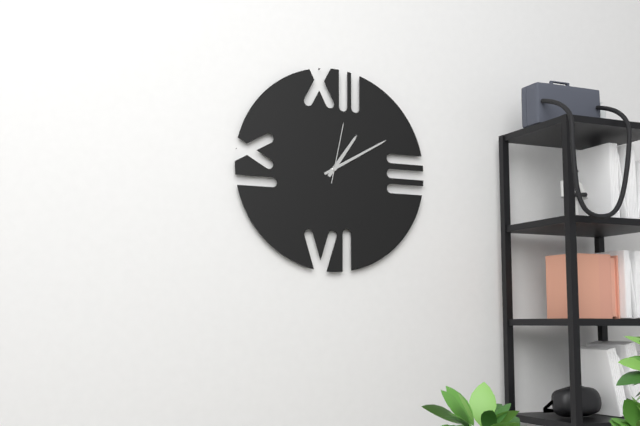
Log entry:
1h10m02s
